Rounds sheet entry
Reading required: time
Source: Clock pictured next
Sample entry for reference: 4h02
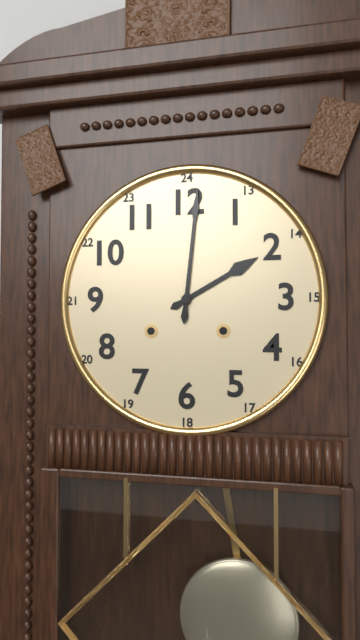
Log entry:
2h01
